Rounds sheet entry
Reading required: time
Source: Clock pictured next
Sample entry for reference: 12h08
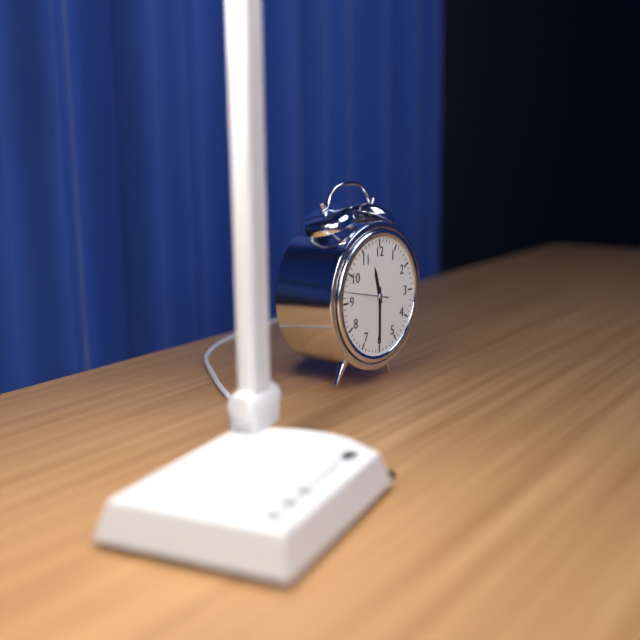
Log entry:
11h30
